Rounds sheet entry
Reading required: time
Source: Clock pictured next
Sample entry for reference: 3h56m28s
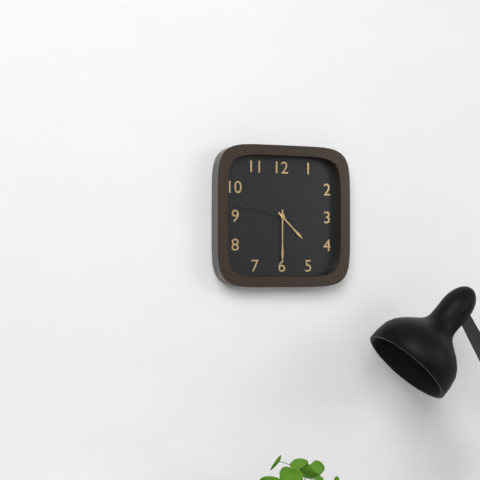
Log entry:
4h30m47s
